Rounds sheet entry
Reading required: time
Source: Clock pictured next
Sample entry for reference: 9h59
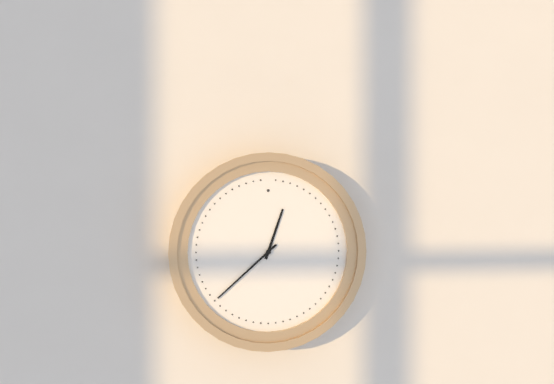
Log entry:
12h38
